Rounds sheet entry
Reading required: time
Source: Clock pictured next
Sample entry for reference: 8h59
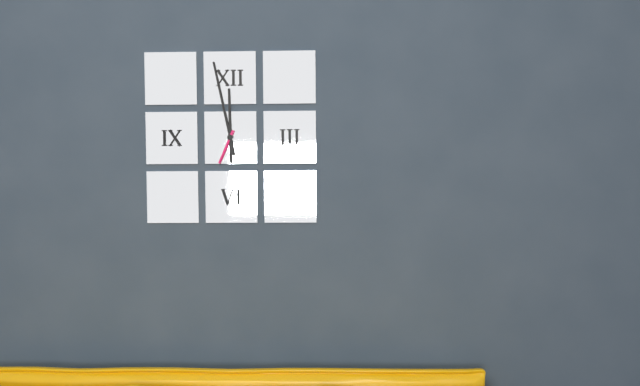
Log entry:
11h58
